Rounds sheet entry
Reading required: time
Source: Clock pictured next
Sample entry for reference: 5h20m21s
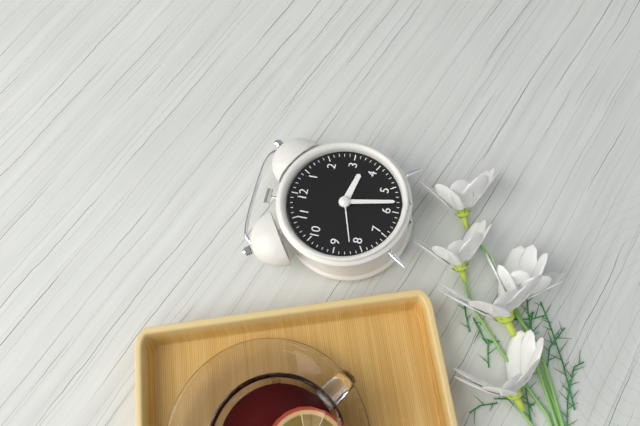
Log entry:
3h28m42s
